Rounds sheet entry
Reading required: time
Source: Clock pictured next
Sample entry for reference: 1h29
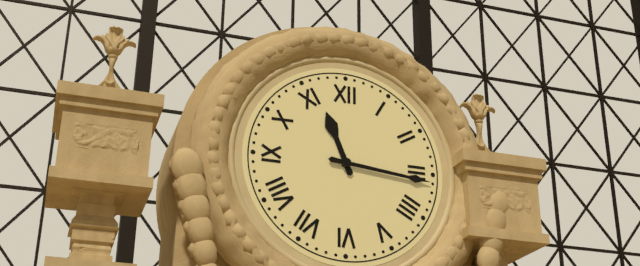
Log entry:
11h16
